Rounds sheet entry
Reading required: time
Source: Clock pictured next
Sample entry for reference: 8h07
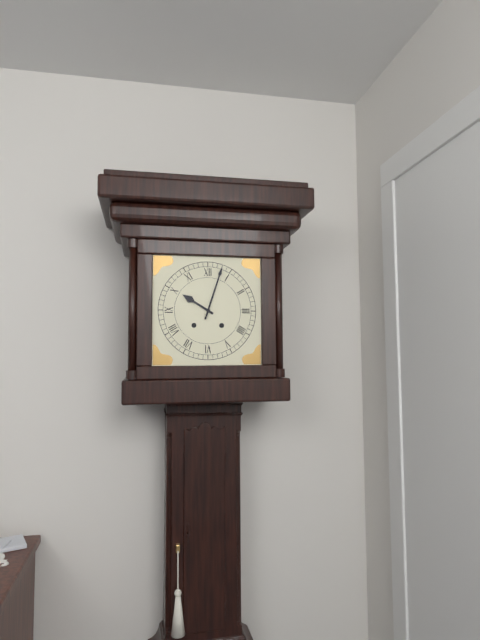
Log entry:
10h03
